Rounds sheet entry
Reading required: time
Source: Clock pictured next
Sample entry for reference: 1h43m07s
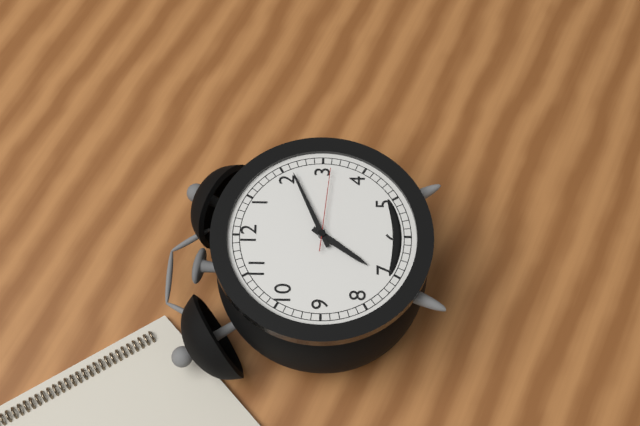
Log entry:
7h11m16s
